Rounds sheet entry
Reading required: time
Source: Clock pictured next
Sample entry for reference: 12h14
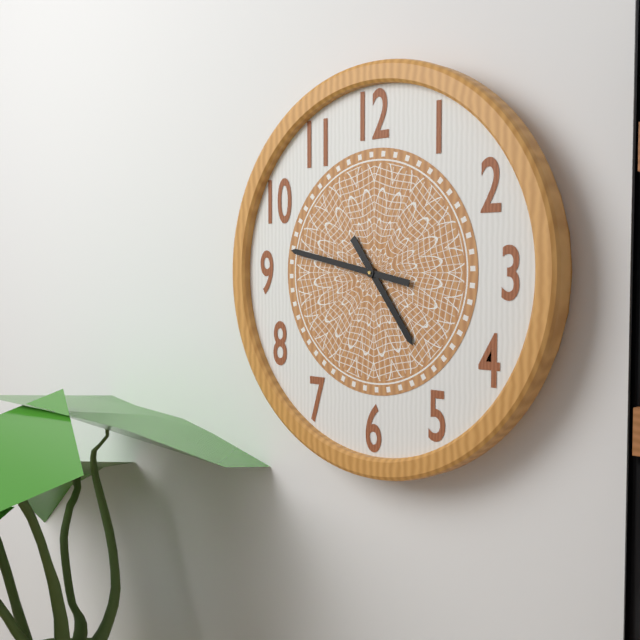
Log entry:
4h47
